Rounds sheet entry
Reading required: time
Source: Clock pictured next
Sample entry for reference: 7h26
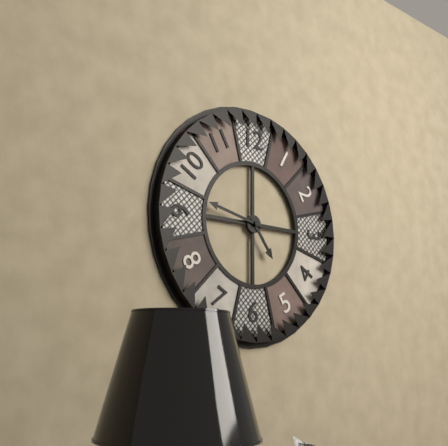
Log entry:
4h47
